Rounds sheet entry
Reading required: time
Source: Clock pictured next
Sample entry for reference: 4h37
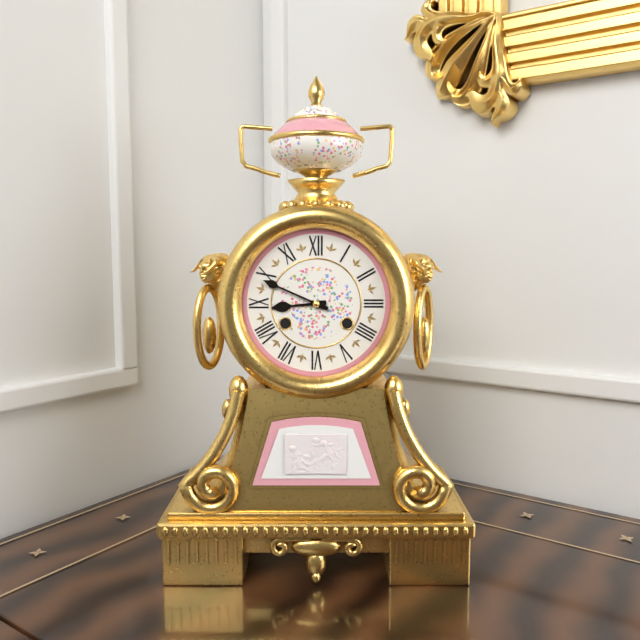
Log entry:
8h49
